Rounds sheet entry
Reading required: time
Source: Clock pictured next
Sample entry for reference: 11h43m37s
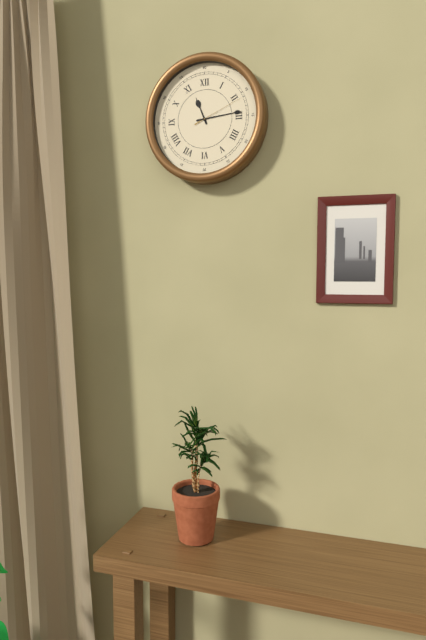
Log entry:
11h14m11s
